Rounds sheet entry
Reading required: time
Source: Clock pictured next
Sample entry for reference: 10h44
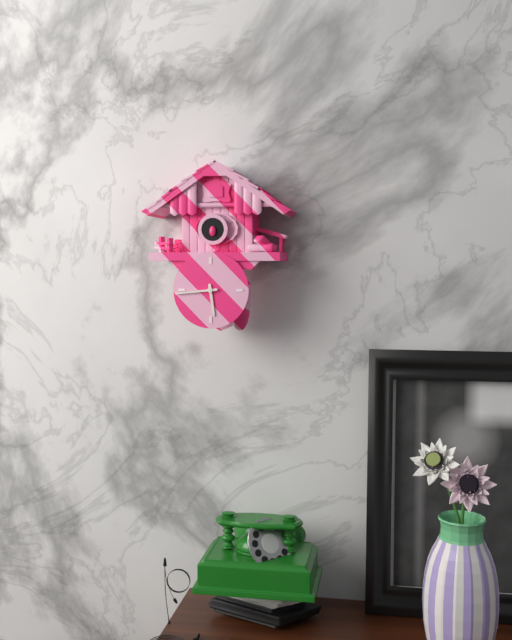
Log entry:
5h44
